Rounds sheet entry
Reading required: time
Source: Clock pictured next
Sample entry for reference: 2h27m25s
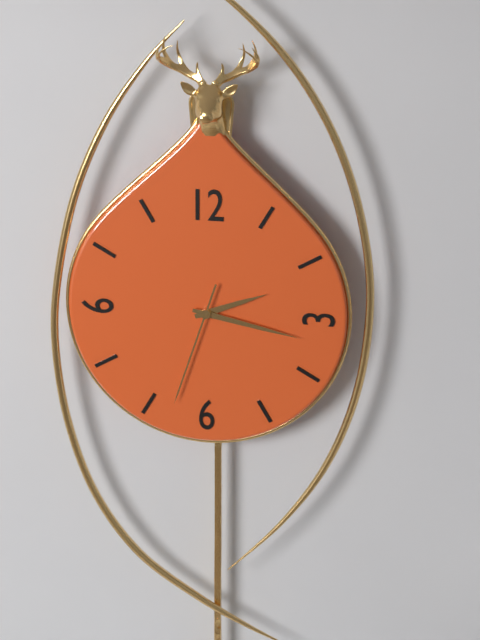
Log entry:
2h17m33s
